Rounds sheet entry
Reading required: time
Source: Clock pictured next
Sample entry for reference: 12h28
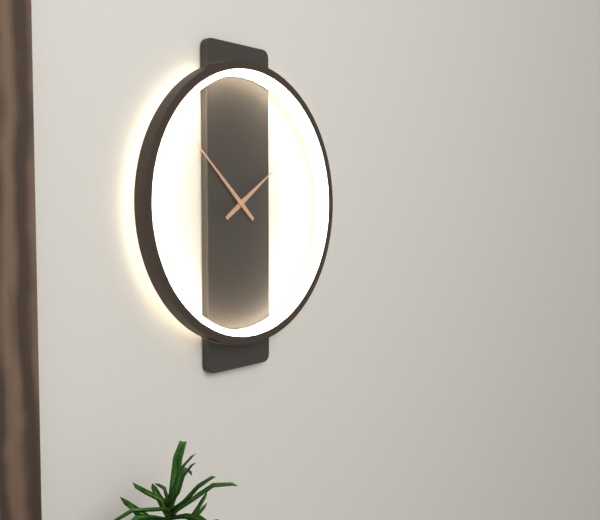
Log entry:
1h52
